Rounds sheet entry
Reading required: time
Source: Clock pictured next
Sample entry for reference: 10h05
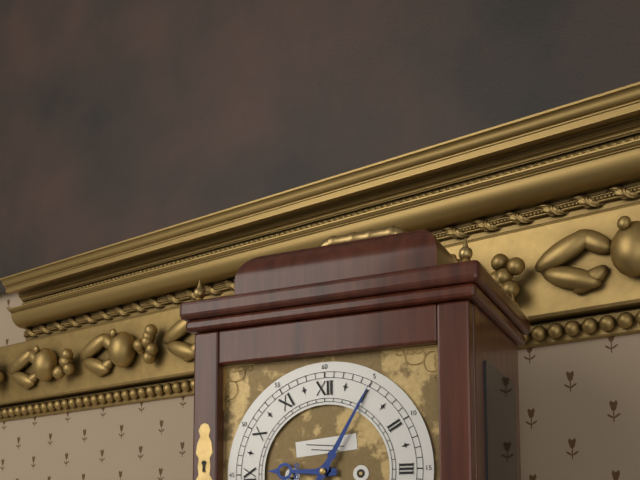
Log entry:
9h05
